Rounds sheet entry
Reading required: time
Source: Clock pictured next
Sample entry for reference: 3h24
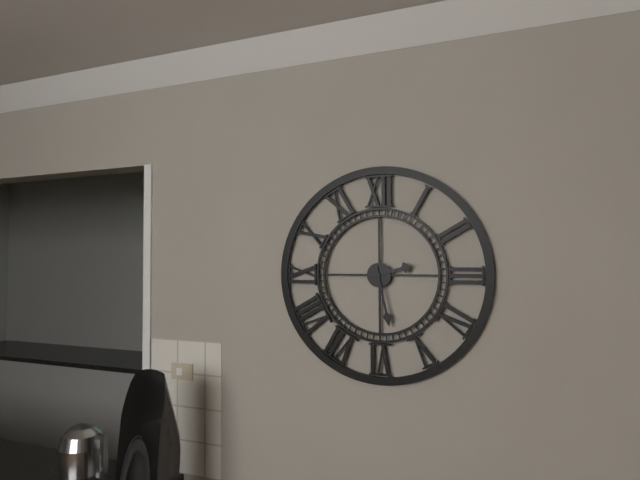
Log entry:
2h28
